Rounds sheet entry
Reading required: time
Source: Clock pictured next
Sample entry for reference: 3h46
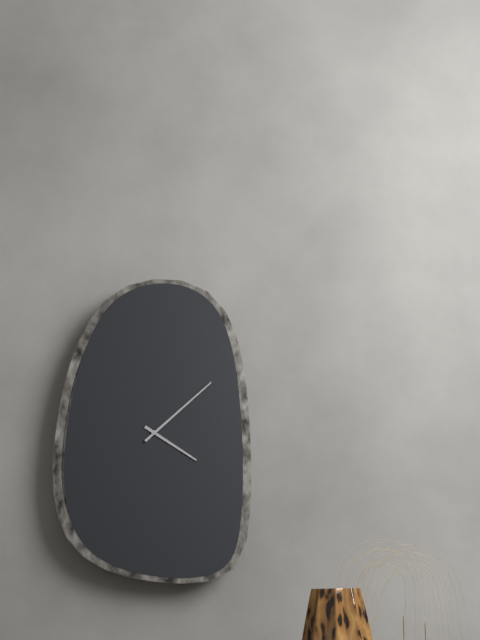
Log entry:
4h08
